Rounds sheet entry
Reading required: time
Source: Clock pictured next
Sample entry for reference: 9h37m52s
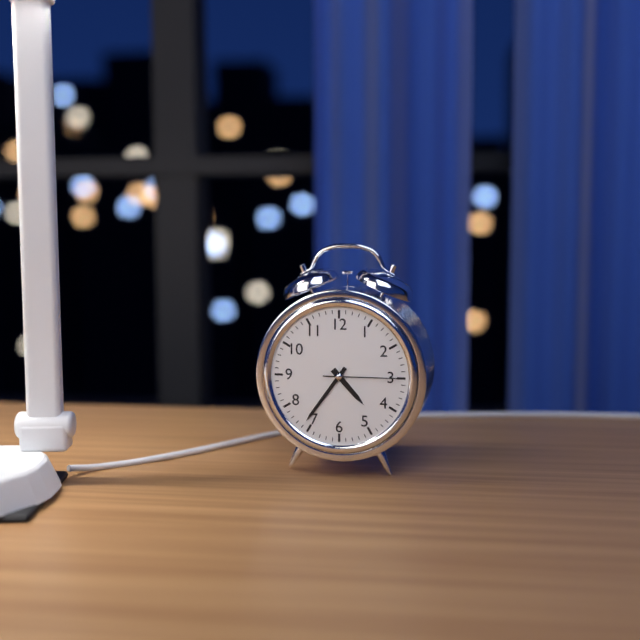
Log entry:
4h36m15s
